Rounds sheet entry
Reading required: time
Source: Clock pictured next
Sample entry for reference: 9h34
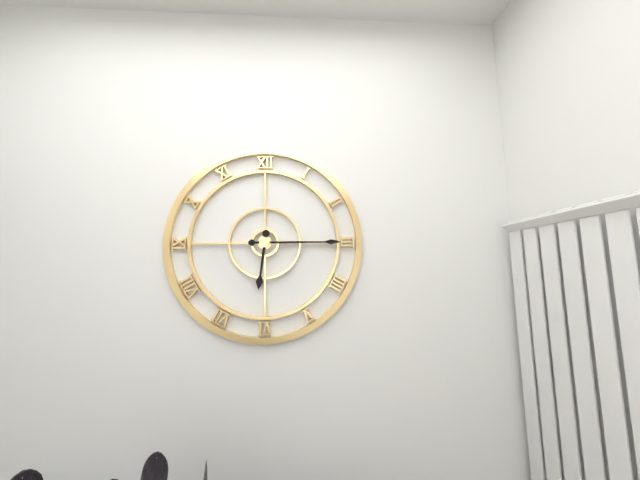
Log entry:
6h15
